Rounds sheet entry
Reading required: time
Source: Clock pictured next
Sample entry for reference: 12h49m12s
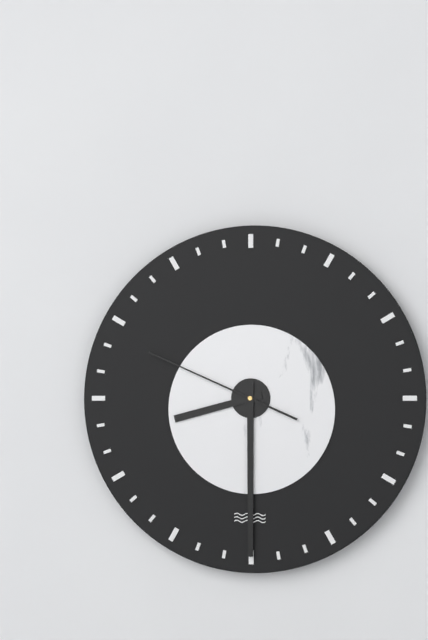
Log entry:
8h30m49s
